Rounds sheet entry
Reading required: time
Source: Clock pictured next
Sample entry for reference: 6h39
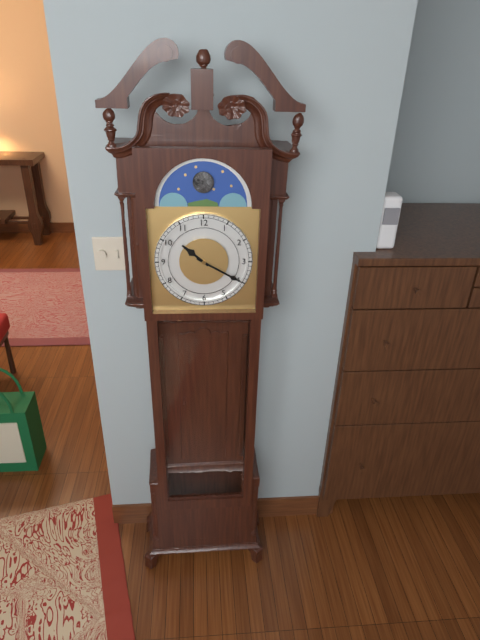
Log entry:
10h20
